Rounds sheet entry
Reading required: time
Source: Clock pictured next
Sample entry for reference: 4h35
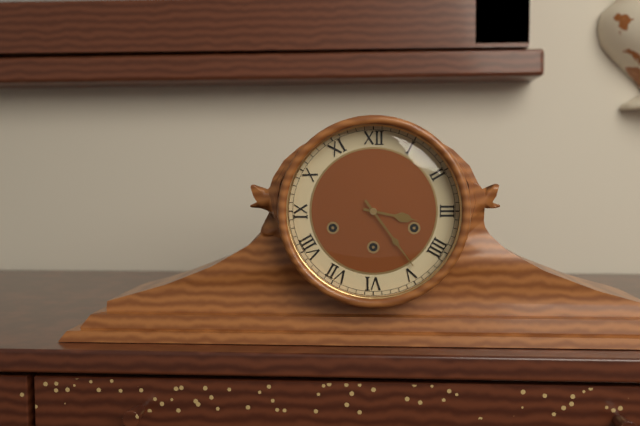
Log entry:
3h24
